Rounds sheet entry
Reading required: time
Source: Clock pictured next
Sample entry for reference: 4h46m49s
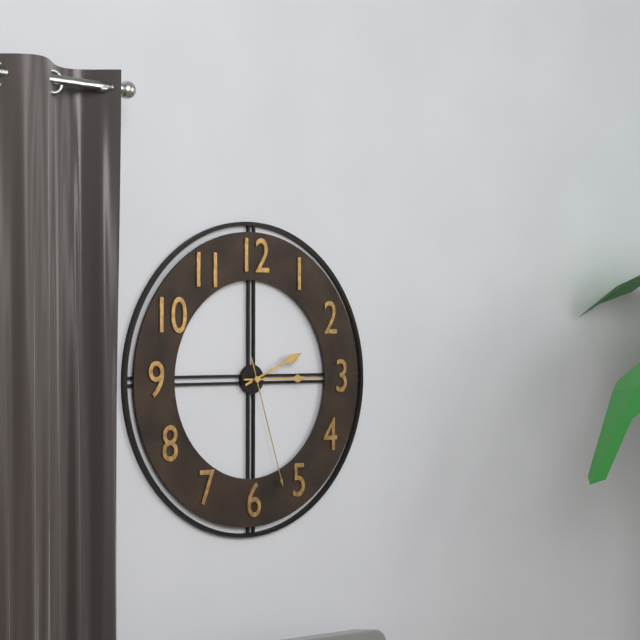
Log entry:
2h15m27s
